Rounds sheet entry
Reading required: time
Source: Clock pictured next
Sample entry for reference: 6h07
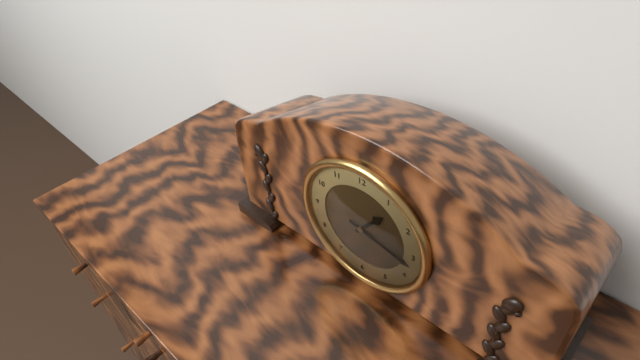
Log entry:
1h17
